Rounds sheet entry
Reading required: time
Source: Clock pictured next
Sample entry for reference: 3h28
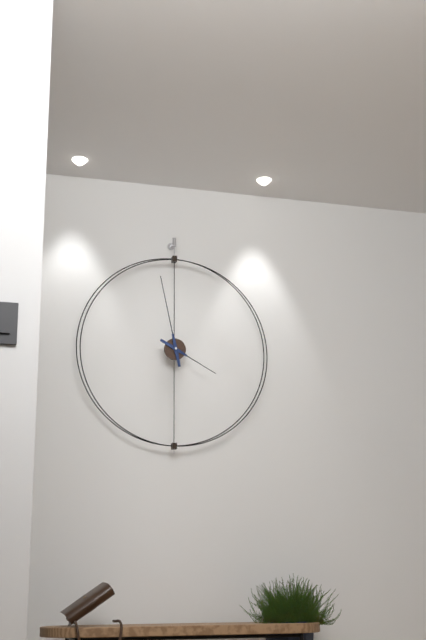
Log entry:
3h58
